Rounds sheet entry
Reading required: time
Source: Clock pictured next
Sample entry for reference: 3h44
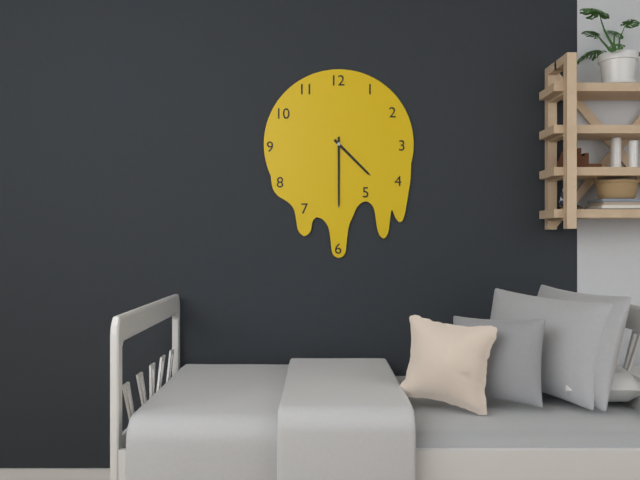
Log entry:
4h30
